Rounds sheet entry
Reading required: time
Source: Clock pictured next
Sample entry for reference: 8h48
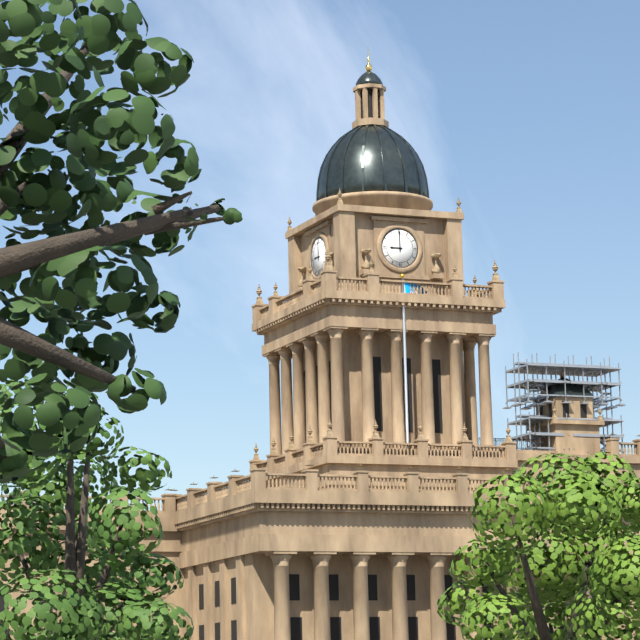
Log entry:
9h00
